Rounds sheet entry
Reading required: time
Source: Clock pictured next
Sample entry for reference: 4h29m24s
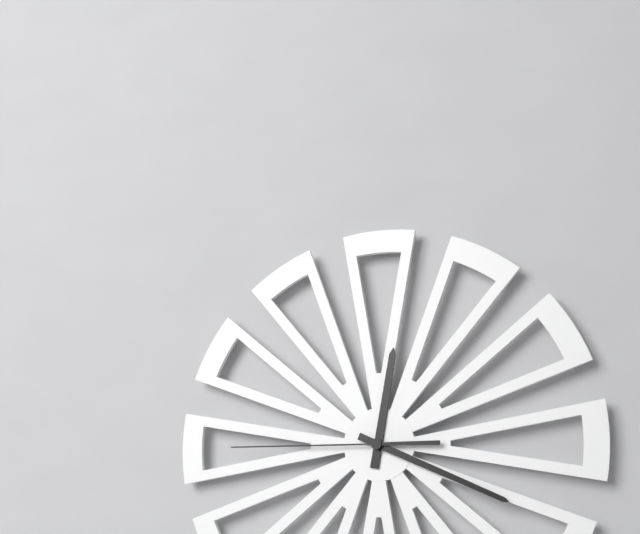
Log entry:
12h19m45s
